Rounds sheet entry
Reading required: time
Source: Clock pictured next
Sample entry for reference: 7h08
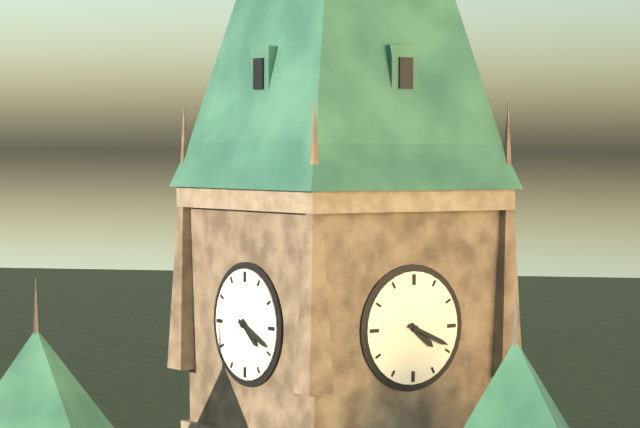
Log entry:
4h19
